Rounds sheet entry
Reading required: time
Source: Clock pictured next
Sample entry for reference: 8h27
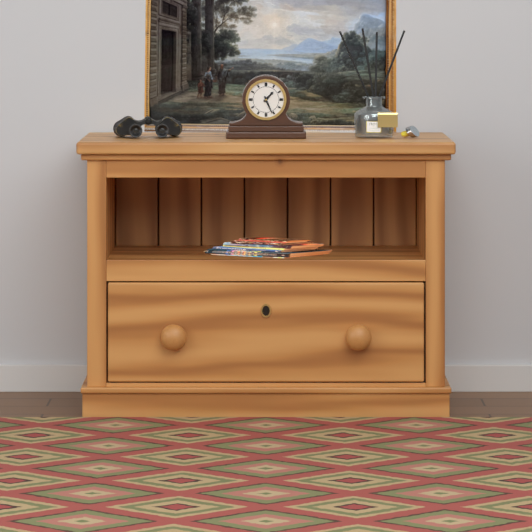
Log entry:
1h26
